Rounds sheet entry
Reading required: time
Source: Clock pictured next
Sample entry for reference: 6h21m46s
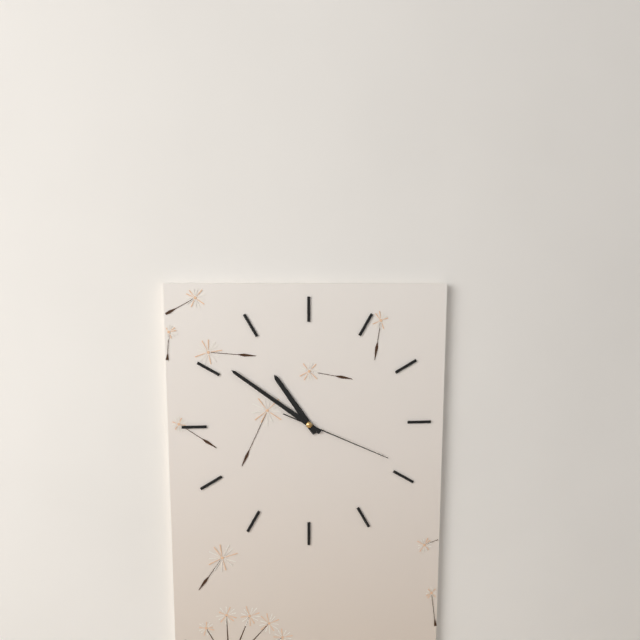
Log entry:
10h51m19s
